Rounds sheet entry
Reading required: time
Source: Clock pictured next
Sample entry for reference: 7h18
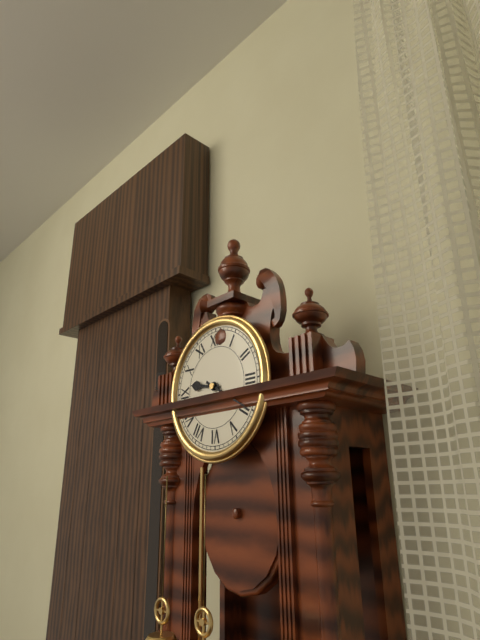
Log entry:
9h20
